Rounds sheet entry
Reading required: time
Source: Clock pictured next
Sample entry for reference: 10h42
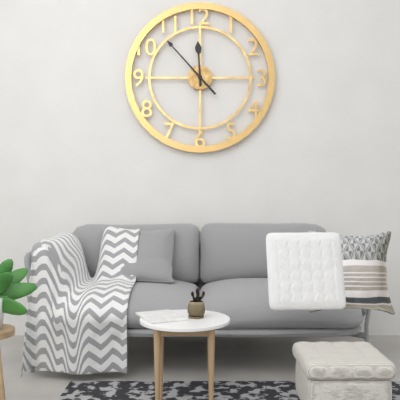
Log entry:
11h53
